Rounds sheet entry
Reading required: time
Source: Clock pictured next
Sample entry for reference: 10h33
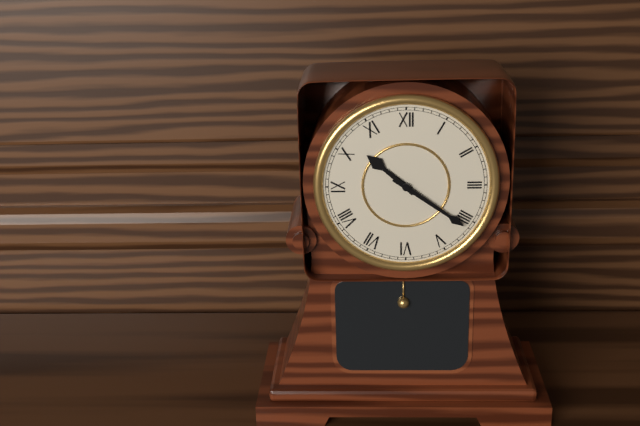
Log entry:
10h21
